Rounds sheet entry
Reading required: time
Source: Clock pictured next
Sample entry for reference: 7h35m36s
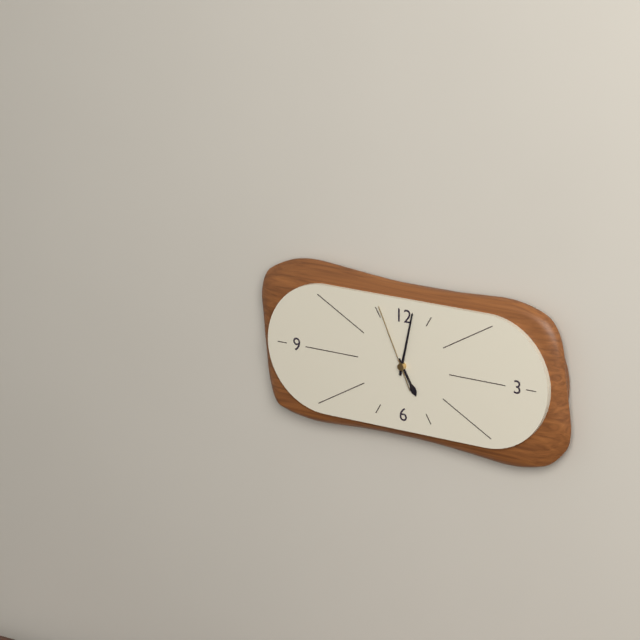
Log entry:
5h02m56s
